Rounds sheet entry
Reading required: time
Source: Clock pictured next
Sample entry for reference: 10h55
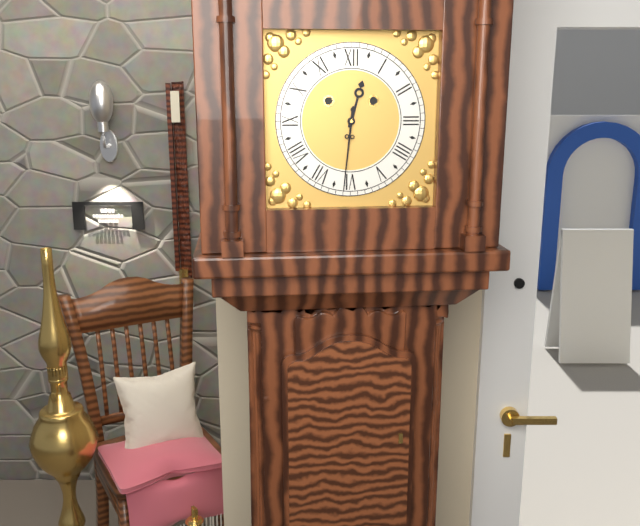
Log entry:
12h31
